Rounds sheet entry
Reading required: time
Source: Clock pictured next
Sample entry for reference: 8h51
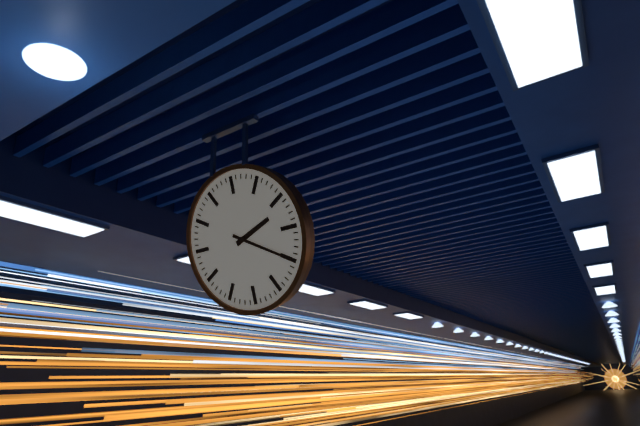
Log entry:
2h20
